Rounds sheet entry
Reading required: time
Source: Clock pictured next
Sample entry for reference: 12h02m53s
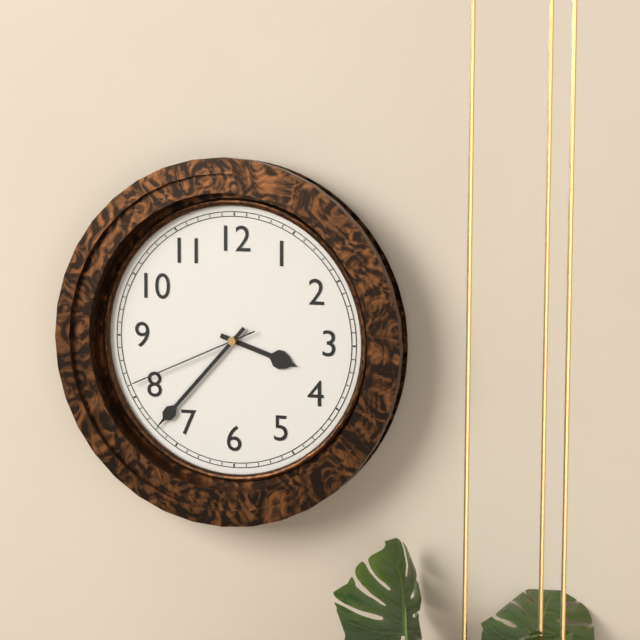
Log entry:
3h37m41s
